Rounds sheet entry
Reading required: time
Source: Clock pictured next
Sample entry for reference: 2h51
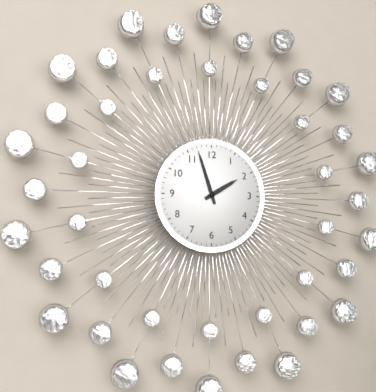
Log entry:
1h57
